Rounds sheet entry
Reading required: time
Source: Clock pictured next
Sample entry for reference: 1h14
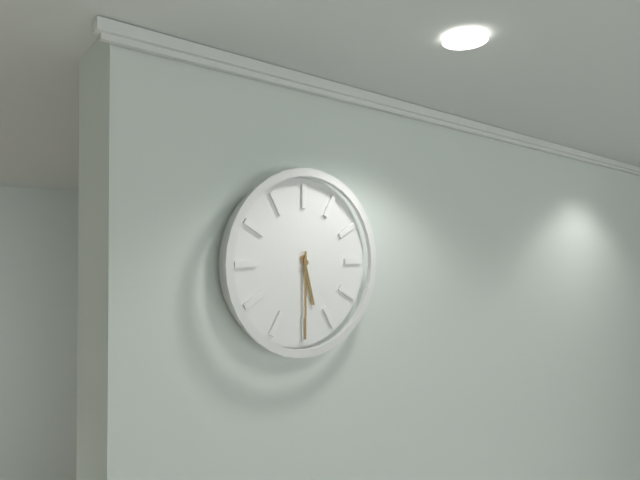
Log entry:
5h30
